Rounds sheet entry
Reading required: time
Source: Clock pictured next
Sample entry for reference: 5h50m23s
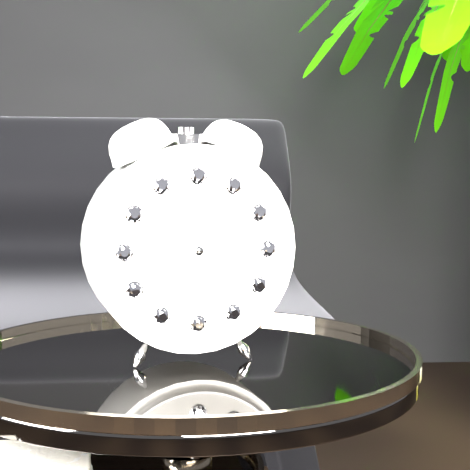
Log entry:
2h04m18s
